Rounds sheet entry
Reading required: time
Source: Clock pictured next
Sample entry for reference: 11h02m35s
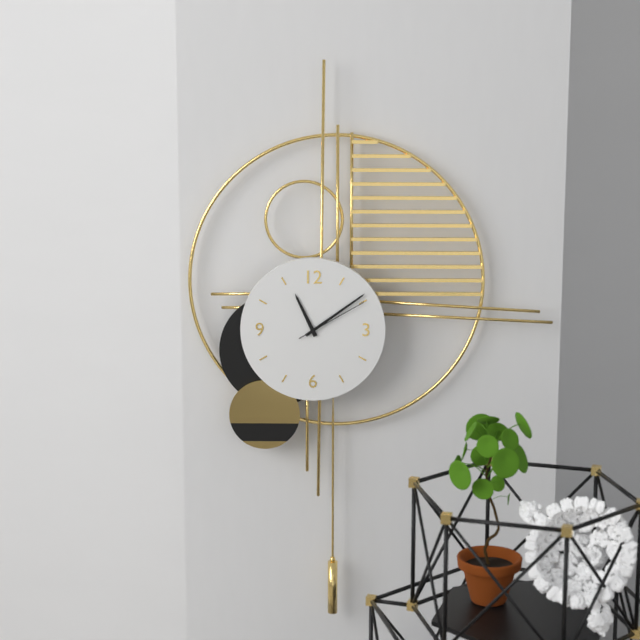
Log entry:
11h09m10s
